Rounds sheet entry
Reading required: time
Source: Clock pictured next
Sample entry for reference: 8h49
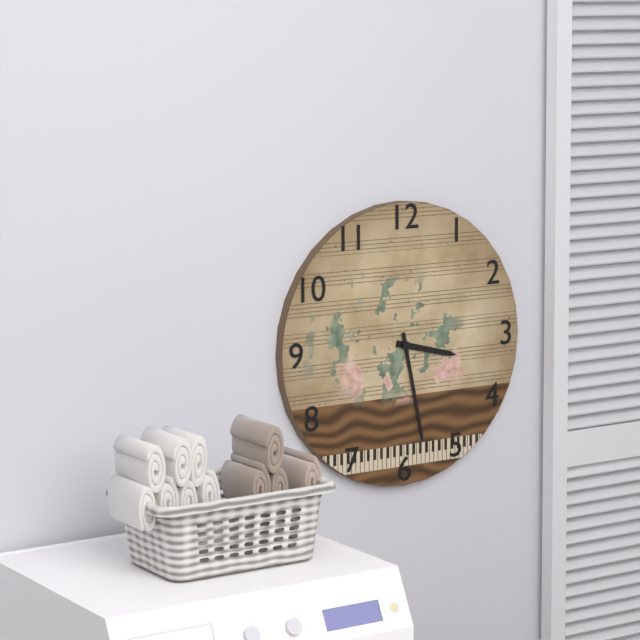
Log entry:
3h28
